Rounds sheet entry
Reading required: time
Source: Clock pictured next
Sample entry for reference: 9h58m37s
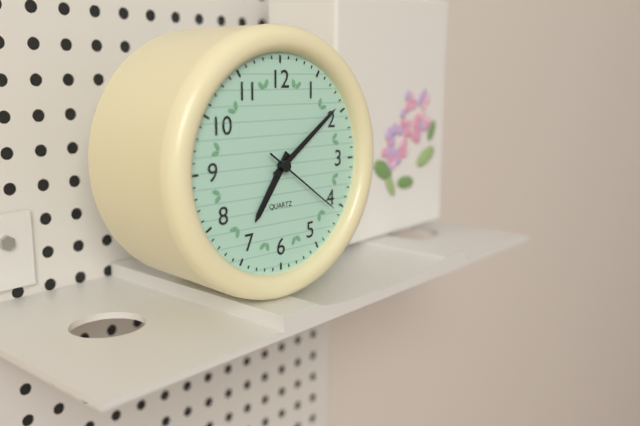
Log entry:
7h09m21s
